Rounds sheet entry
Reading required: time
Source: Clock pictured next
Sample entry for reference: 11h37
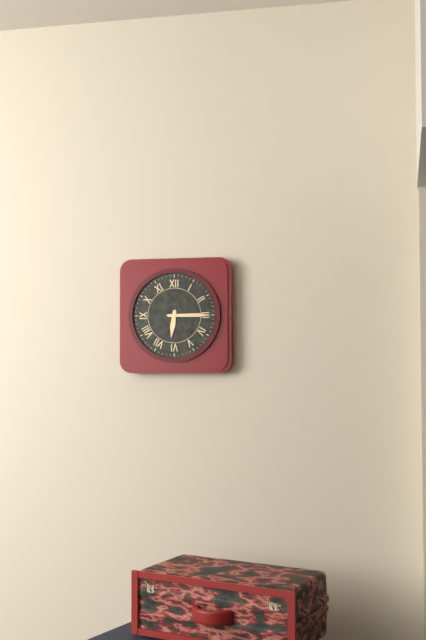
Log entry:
6h15
